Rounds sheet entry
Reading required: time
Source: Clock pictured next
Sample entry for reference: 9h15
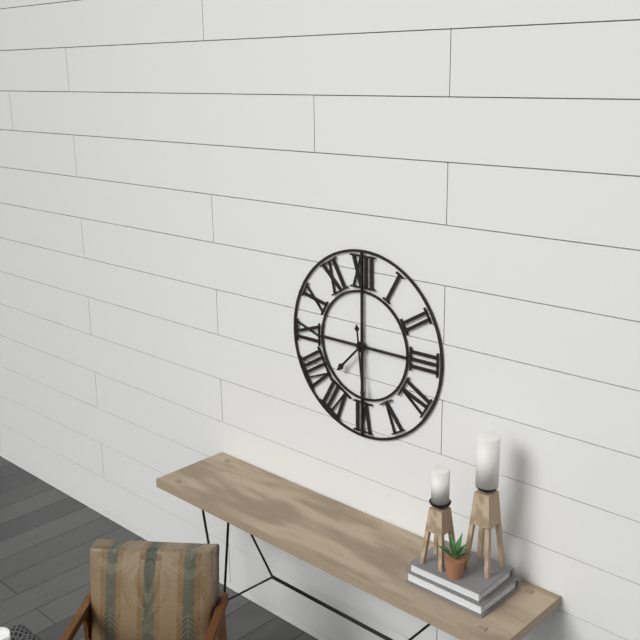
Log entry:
7h29
